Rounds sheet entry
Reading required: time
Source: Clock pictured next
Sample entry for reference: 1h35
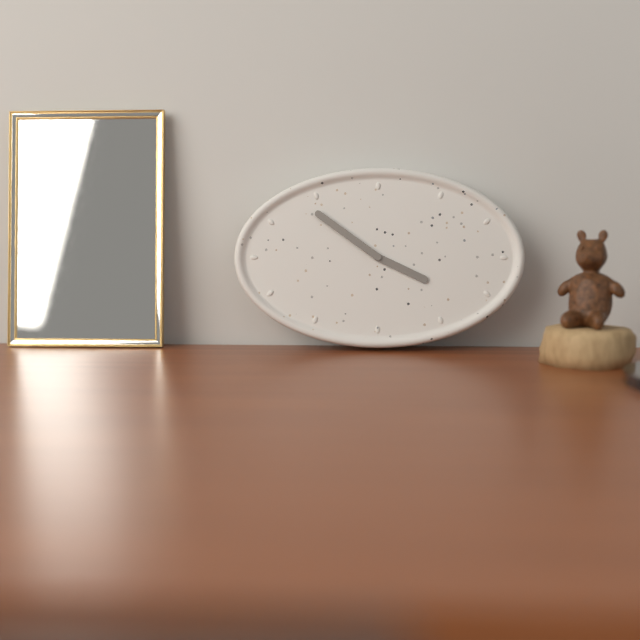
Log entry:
3h51
